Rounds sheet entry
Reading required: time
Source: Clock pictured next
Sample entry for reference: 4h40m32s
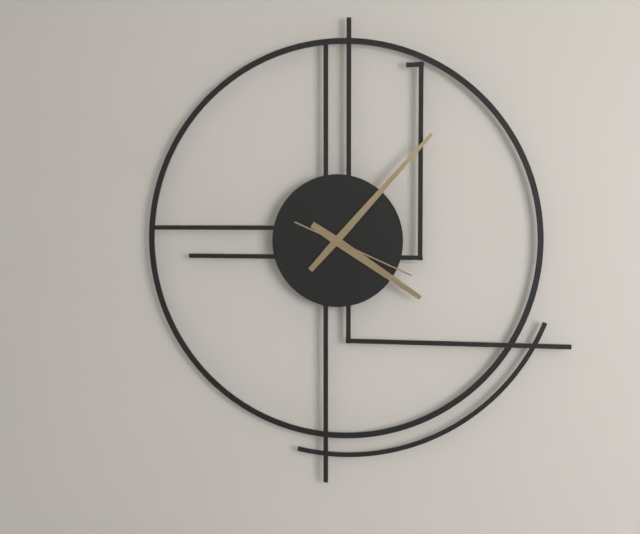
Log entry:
4h07m19s
